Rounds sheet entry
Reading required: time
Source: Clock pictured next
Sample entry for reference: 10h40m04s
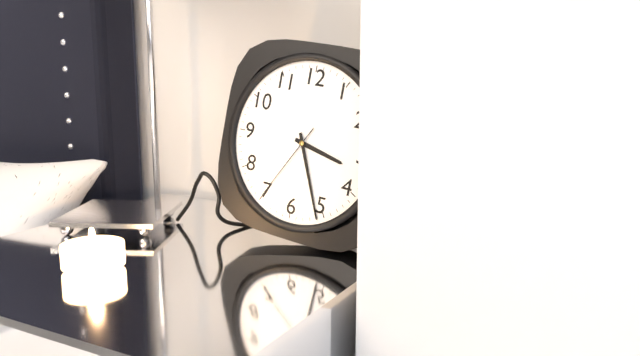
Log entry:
3h26m35s
